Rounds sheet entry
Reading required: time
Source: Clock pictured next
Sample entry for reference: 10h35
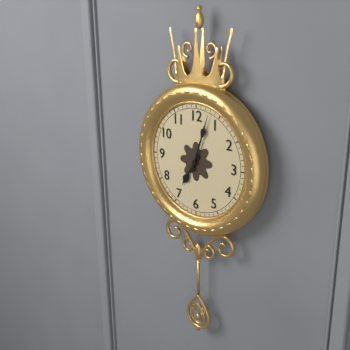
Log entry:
7h03
